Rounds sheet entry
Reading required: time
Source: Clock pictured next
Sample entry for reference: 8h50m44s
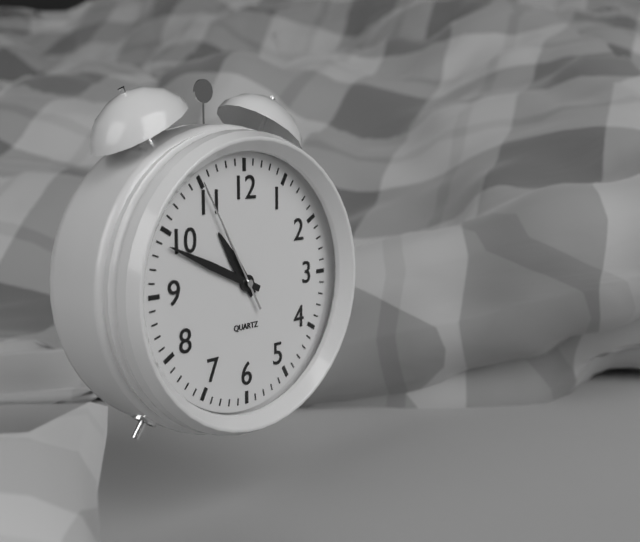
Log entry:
10h49m55s
